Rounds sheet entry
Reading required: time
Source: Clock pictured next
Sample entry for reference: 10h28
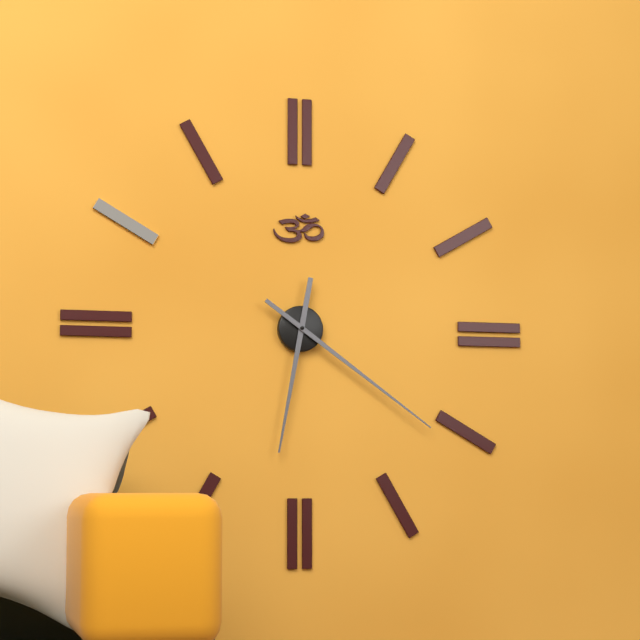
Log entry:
6h21
